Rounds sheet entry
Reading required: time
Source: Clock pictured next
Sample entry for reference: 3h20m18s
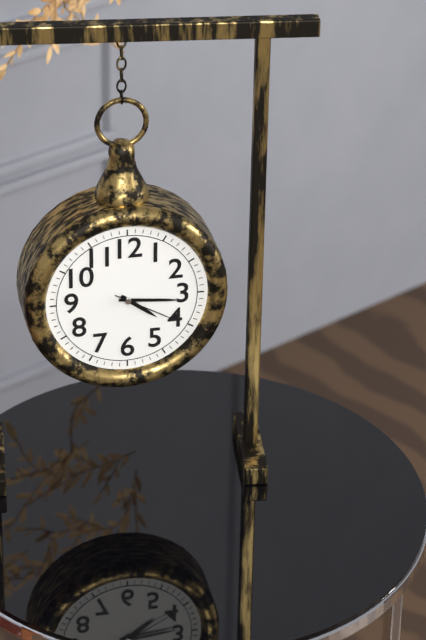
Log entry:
4h16m20s
